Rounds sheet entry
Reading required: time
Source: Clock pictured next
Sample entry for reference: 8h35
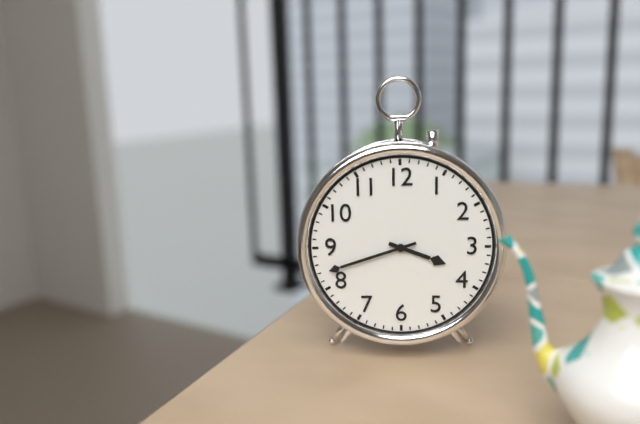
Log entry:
3h42
